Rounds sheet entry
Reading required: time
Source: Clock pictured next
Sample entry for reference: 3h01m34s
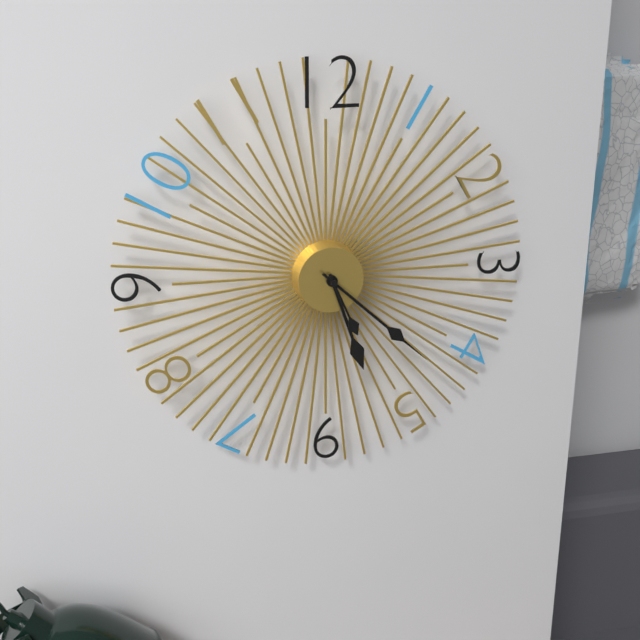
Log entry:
5h22m26s
